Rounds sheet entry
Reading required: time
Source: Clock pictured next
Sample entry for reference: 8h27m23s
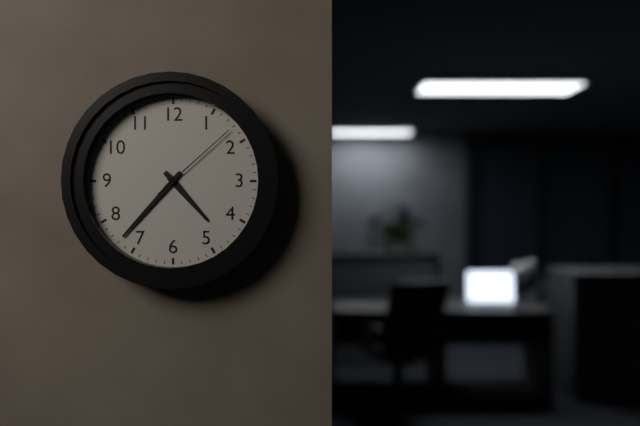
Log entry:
4h37m08s
